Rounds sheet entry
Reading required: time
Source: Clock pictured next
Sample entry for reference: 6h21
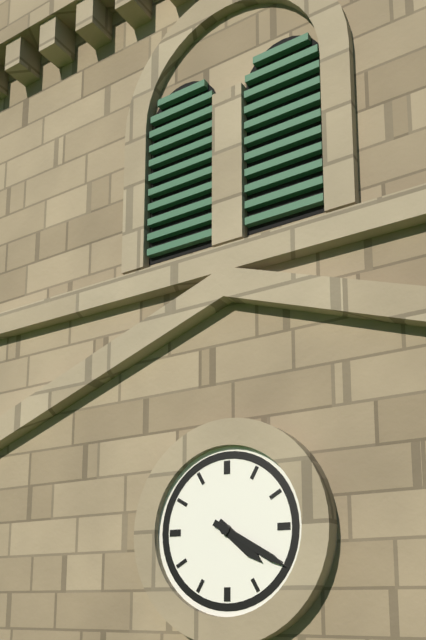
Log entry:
4h20
